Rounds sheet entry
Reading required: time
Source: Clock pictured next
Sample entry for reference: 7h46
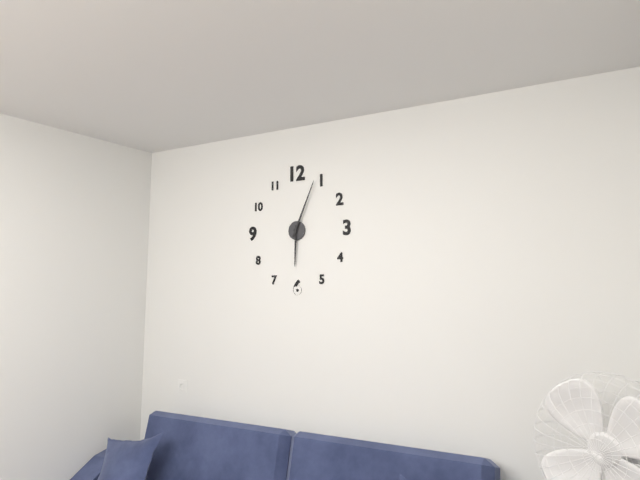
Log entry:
6h04
